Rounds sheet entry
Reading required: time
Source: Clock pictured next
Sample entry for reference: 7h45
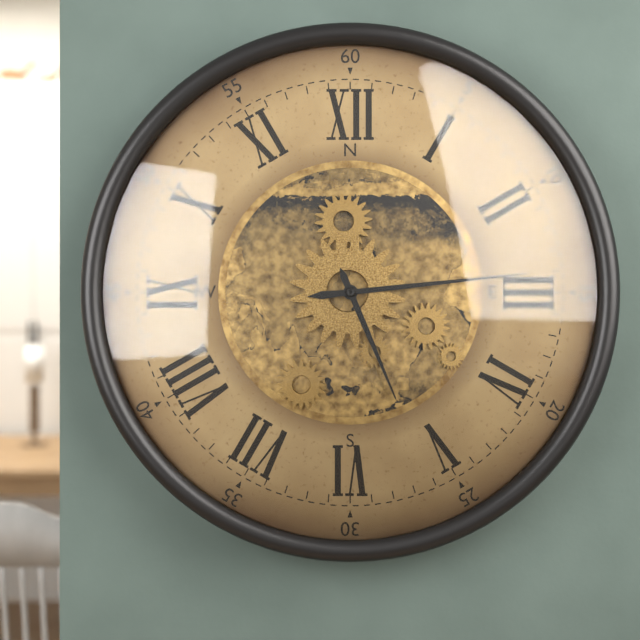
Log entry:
5h14
